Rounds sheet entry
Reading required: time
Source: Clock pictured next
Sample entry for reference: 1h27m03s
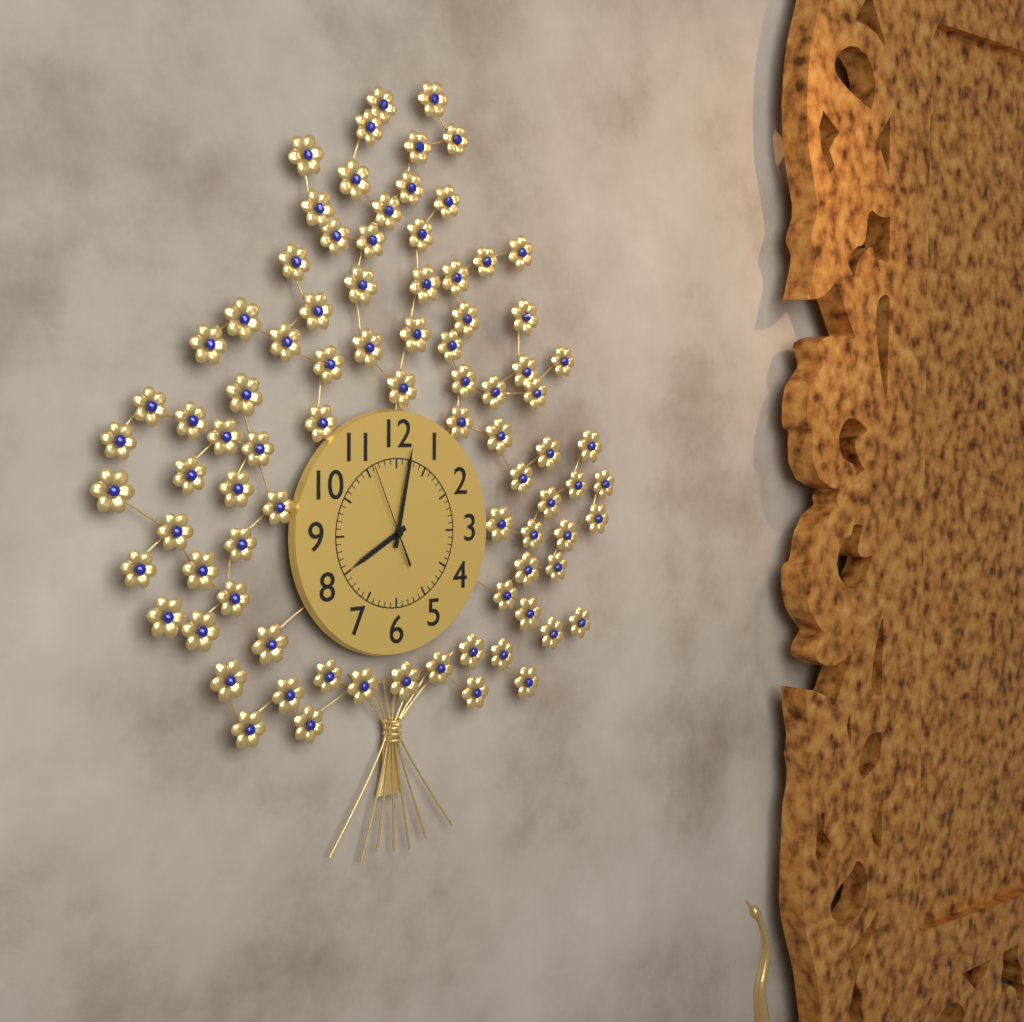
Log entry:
8h02m56s
